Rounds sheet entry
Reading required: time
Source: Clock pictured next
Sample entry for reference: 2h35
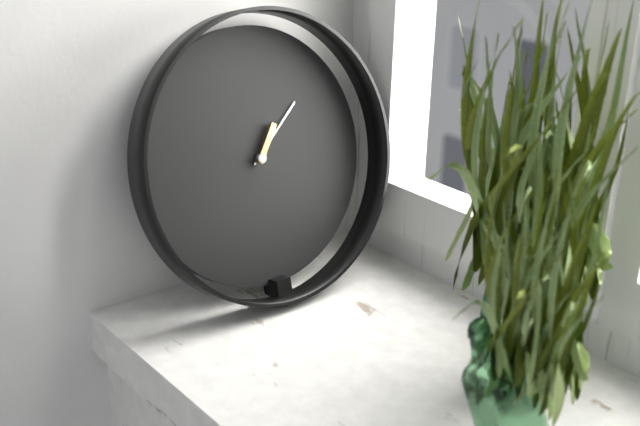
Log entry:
1h08
